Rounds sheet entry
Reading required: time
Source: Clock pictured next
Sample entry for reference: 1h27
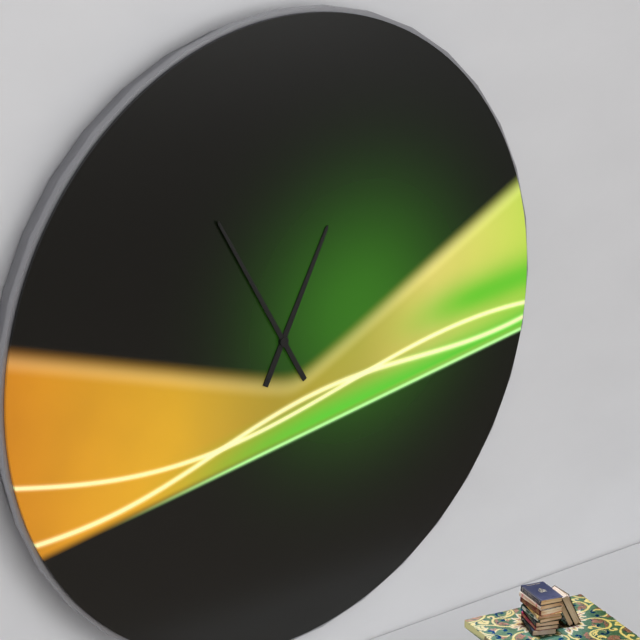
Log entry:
12h55
